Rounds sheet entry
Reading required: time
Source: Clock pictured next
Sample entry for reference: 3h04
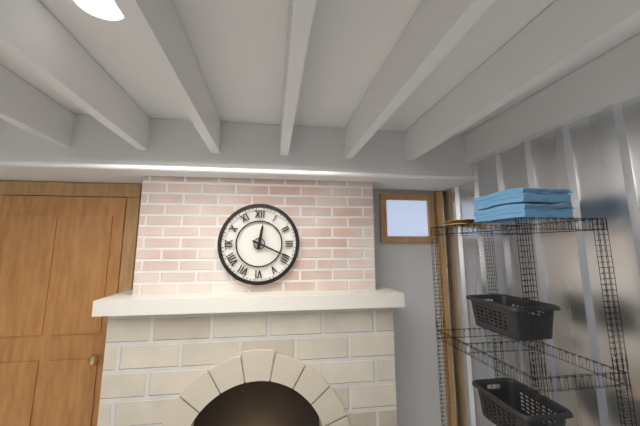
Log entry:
12h19
